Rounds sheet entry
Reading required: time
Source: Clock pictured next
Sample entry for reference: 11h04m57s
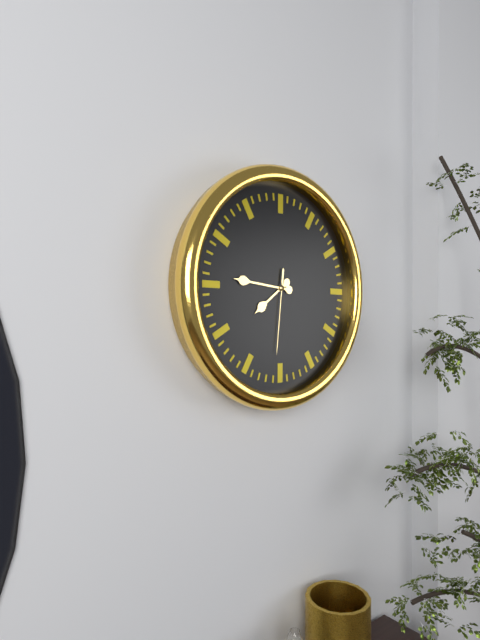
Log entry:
7h46m31s
